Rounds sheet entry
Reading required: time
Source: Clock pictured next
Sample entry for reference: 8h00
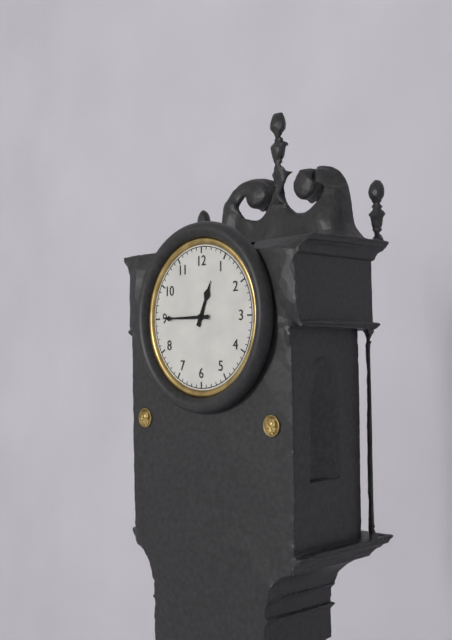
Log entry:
12h45
